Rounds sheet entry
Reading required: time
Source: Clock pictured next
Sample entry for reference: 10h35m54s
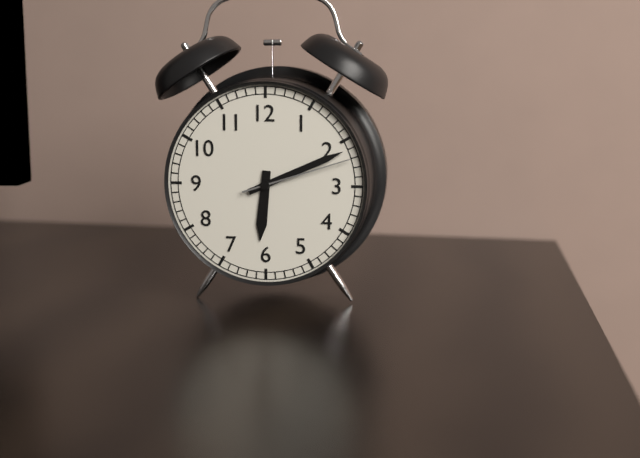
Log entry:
6h11m12s
